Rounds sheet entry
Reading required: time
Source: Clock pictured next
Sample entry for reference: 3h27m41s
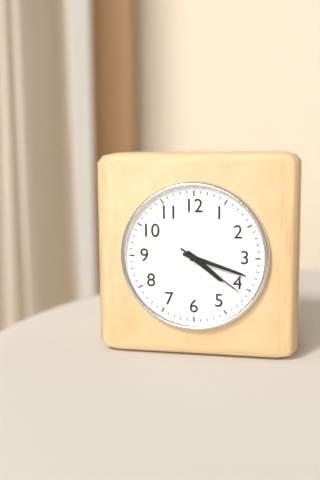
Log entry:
4h18m21s
